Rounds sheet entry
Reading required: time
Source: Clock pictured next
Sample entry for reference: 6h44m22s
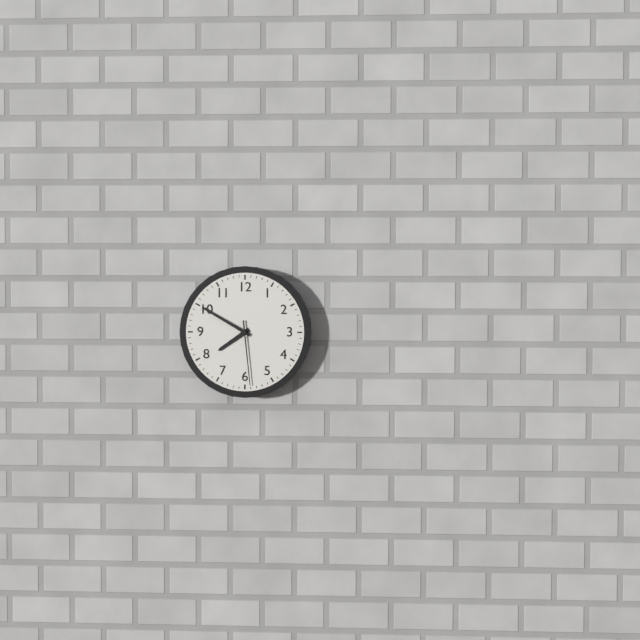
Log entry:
7h50m29s
